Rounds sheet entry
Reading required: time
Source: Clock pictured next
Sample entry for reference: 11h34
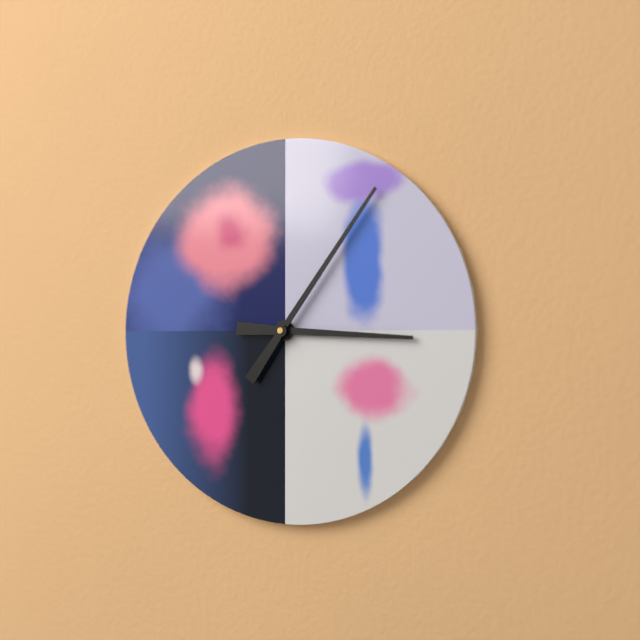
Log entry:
3h06
